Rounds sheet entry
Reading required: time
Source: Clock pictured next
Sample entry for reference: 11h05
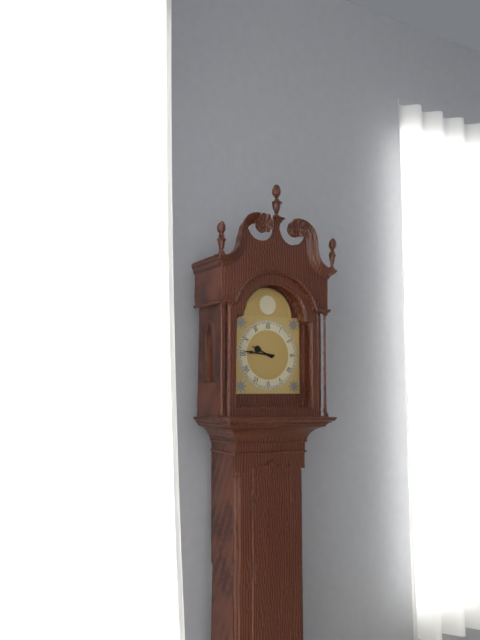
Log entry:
9h46
